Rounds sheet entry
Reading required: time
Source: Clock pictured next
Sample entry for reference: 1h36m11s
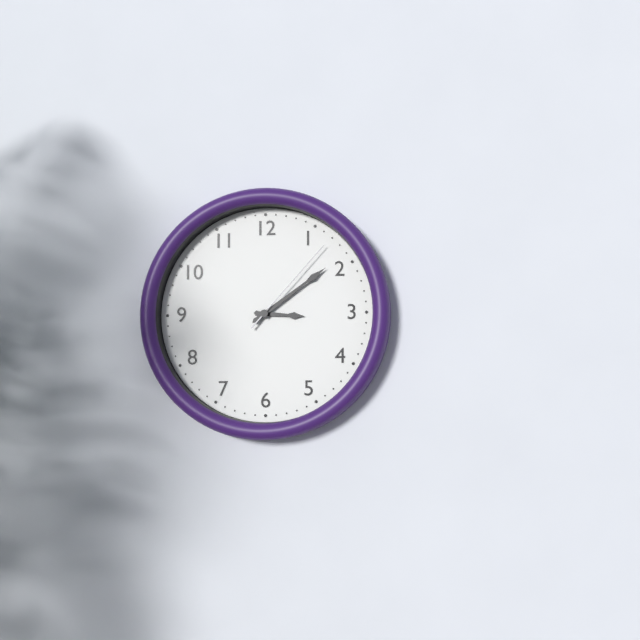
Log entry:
3h09m07s
